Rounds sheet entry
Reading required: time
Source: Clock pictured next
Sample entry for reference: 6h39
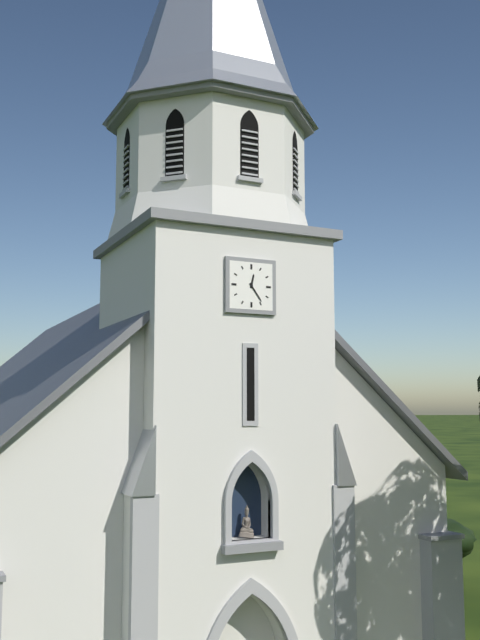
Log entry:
12h24
